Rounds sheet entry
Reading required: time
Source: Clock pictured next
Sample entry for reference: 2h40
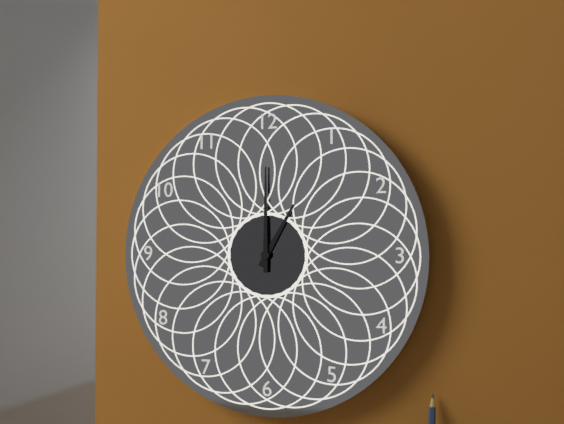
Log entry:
1h00
